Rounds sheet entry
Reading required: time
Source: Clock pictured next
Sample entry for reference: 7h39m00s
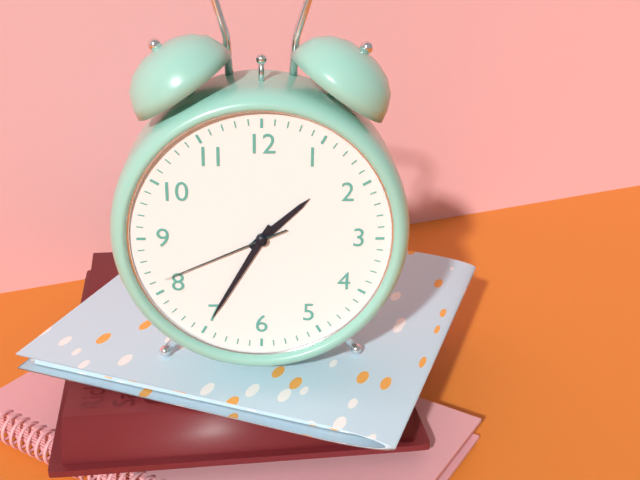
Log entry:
1h35m41s
